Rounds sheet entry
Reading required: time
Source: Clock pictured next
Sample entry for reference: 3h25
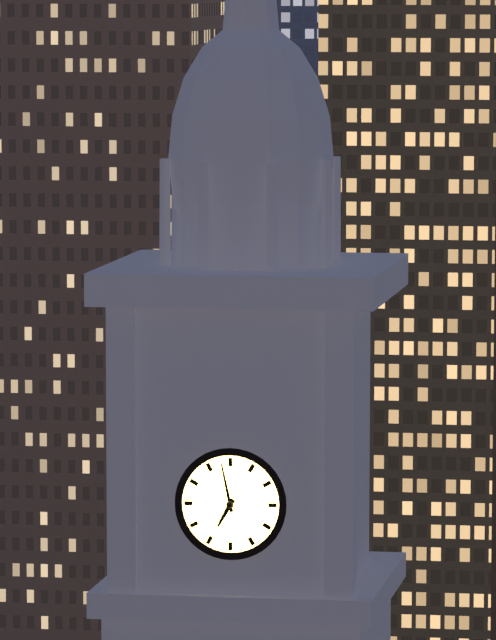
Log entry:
6h58
